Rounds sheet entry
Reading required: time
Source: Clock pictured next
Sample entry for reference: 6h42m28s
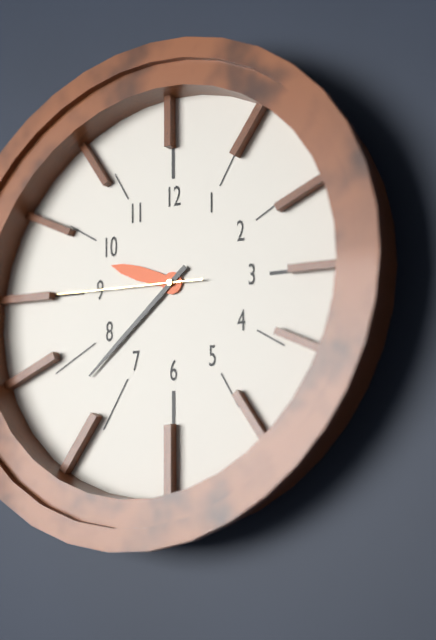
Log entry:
9h38m45s
